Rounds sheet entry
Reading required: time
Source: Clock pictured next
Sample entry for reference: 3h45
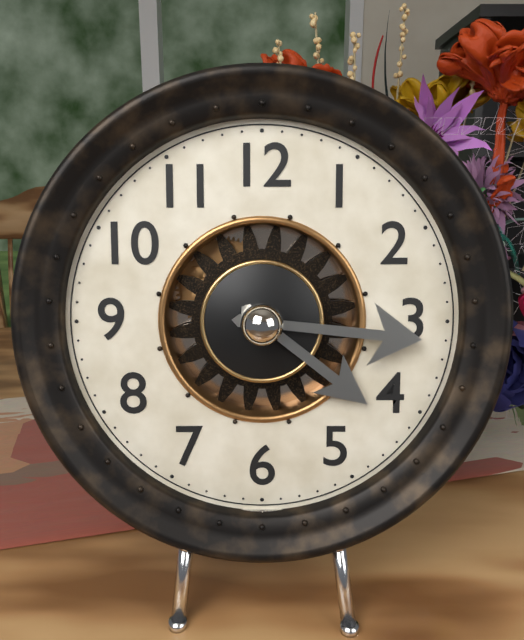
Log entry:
4h16
